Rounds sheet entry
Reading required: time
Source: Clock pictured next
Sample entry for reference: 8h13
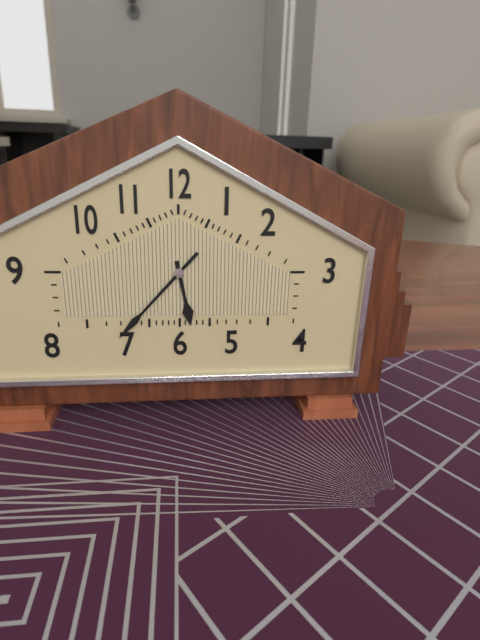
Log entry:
5h37
